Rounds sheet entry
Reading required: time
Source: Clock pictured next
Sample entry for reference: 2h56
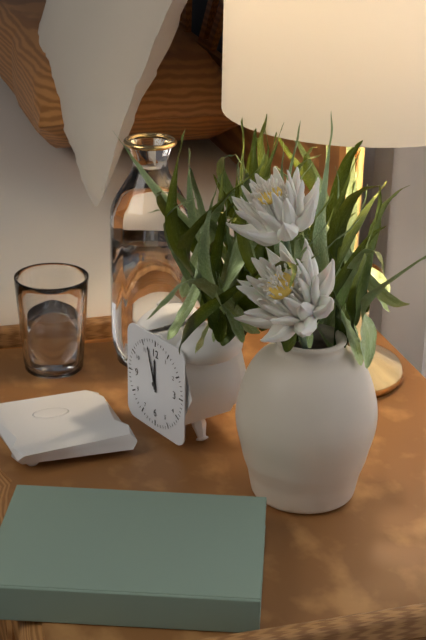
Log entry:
11h57
